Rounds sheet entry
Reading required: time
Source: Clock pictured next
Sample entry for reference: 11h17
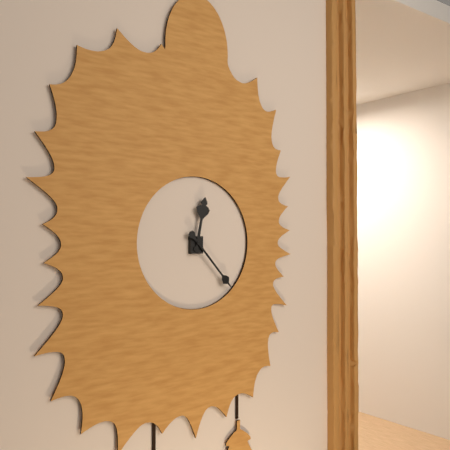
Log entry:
12h23
